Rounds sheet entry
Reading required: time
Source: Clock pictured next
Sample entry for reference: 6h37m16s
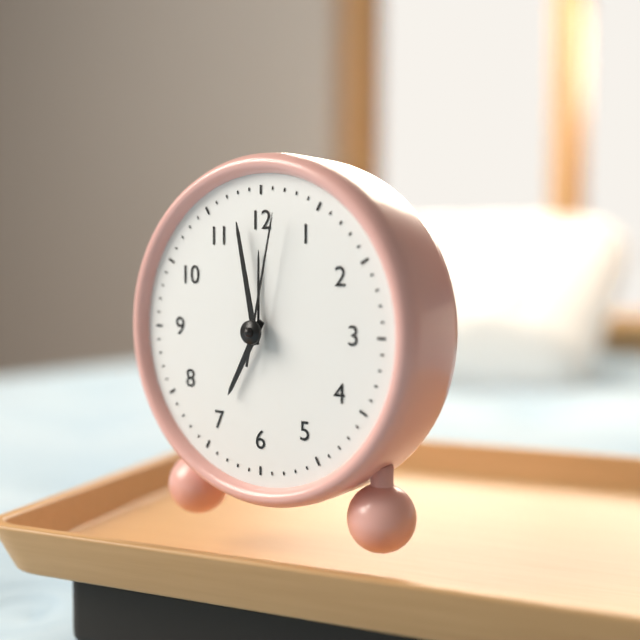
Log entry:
6h58m02s
